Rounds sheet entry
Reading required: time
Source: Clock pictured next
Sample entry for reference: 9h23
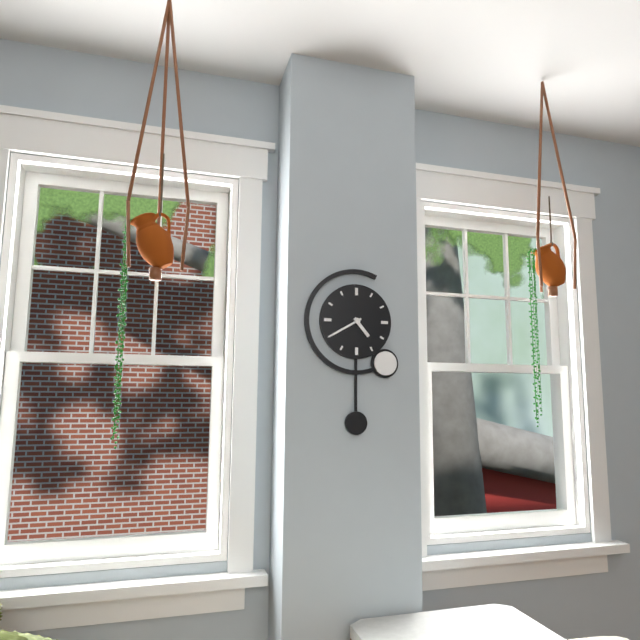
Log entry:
4h40
